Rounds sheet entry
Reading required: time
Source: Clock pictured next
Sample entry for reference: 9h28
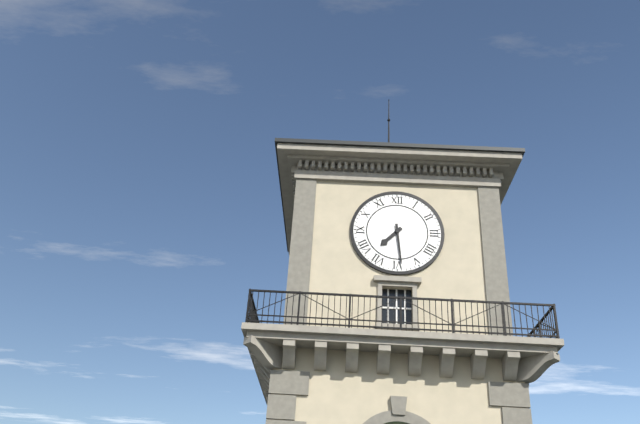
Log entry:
7h29
